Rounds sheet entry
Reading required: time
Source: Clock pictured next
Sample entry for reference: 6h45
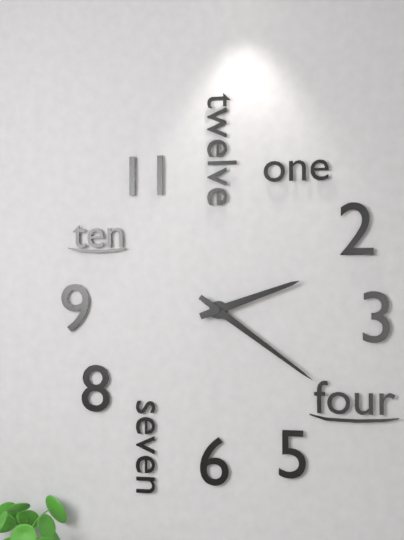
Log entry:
2h21
